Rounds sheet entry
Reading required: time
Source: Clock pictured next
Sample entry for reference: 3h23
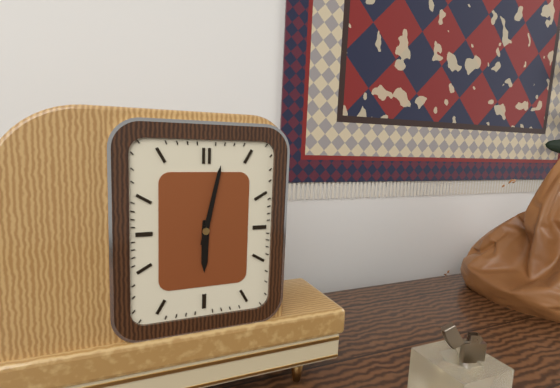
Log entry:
6h02
